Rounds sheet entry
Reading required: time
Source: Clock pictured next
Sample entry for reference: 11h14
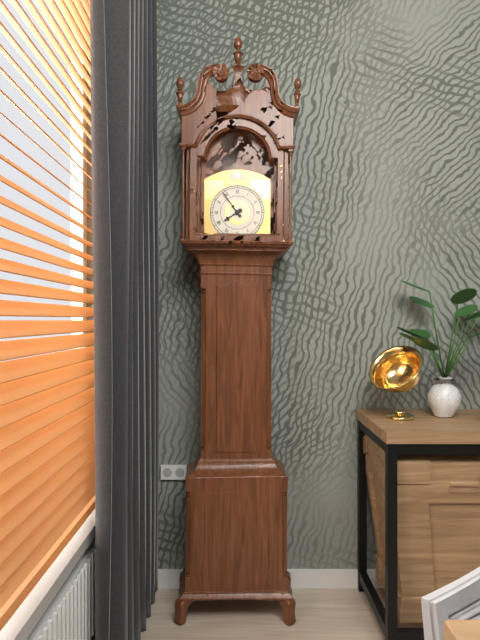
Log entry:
7h54
